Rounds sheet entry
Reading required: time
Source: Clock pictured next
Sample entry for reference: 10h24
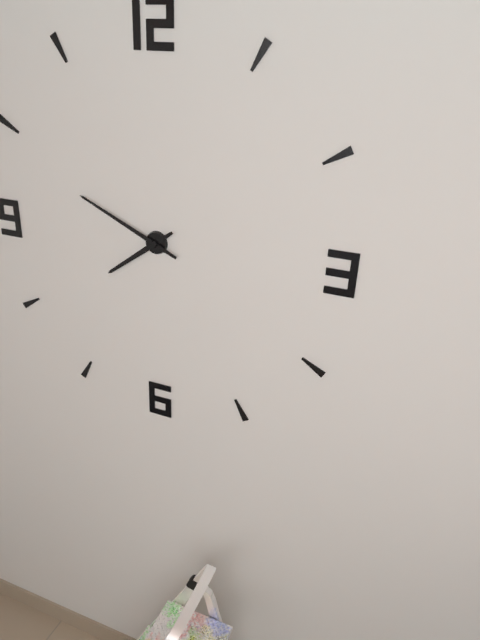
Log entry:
7h49
